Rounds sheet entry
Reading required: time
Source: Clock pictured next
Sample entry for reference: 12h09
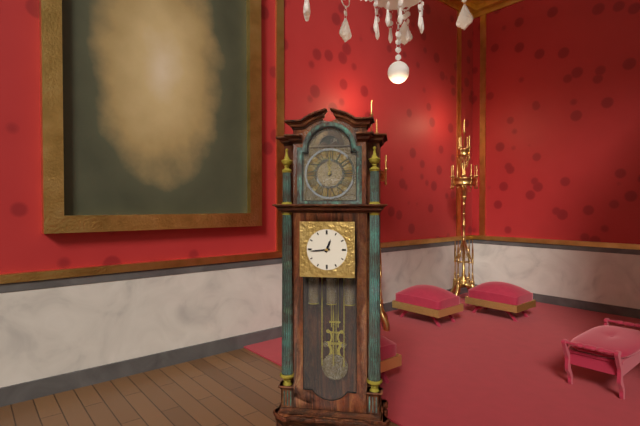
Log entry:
12h44
